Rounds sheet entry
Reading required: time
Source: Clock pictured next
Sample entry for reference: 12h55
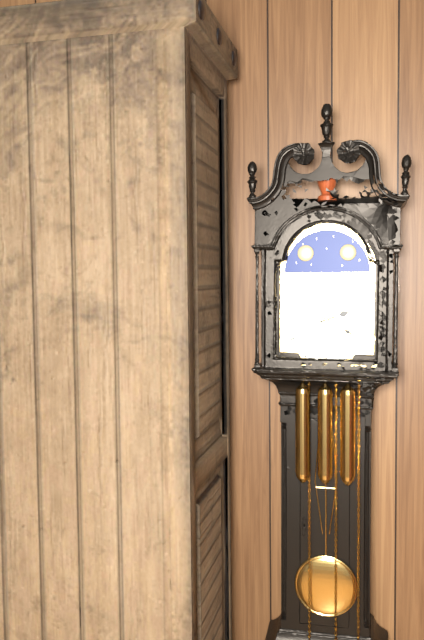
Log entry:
2h20
